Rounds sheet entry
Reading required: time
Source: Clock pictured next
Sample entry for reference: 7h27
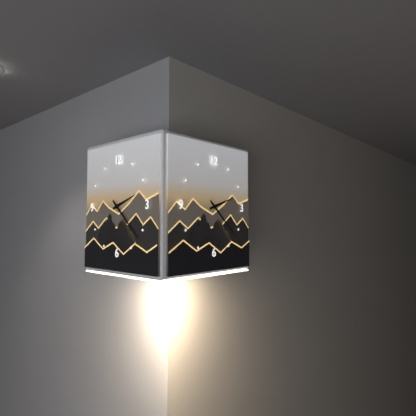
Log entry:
2h22
